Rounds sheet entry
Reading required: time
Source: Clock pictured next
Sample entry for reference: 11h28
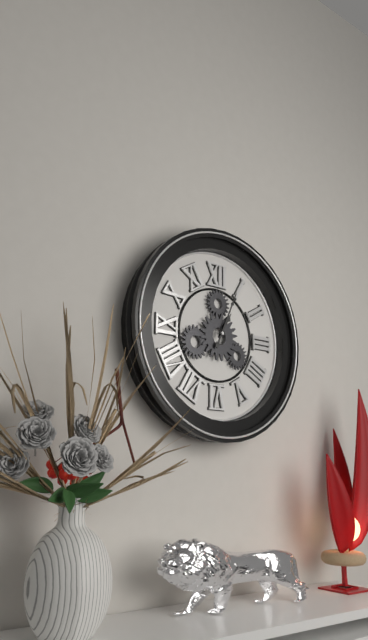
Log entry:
1h04
